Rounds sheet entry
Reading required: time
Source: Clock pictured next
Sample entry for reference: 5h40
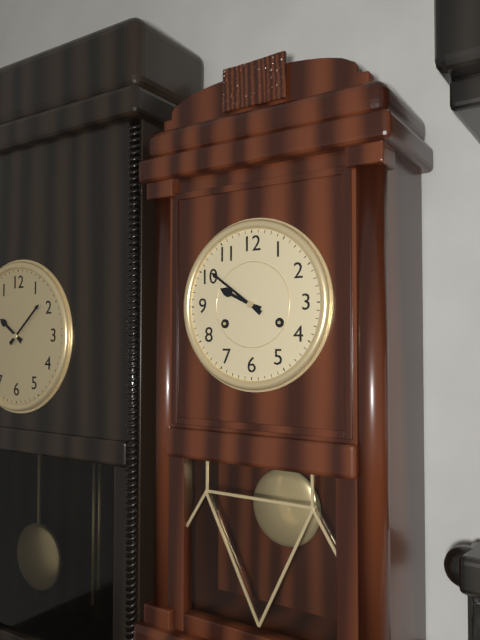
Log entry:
9h51
